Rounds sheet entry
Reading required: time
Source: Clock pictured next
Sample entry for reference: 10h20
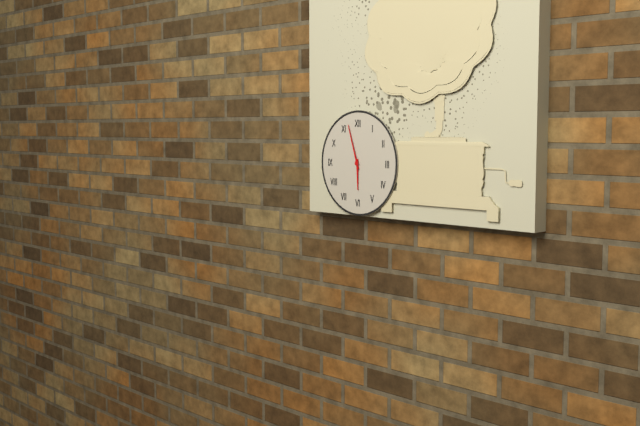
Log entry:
5h57
